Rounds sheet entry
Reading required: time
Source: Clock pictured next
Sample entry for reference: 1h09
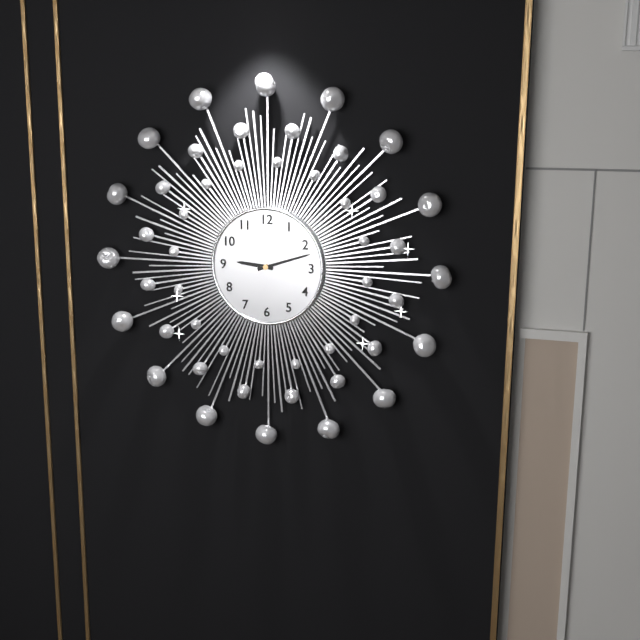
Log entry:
9h12
